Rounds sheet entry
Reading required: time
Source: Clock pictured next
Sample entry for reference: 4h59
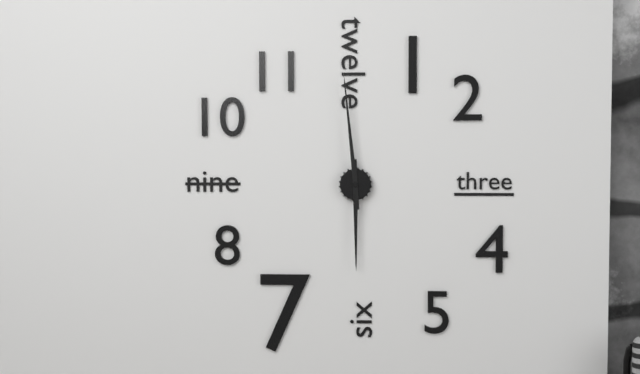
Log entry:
5h59
